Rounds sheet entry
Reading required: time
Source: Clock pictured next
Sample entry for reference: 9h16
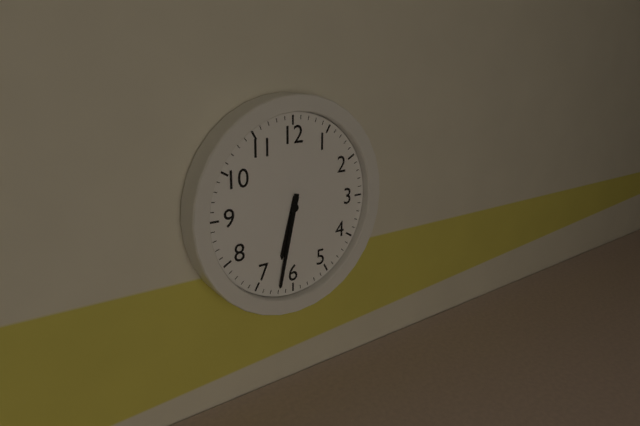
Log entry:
6h32
